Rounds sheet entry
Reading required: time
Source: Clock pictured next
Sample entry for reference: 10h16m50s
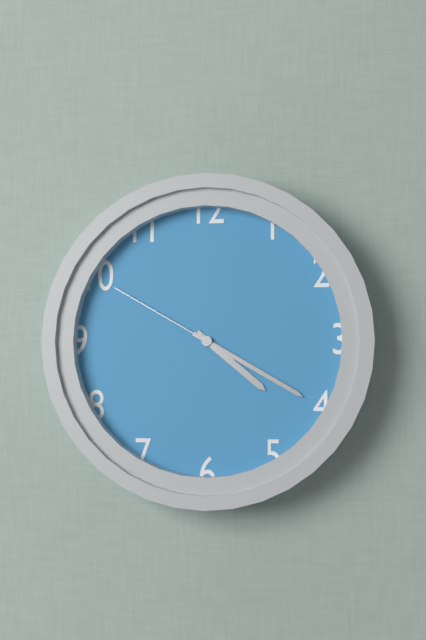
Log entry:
4h20m50s
